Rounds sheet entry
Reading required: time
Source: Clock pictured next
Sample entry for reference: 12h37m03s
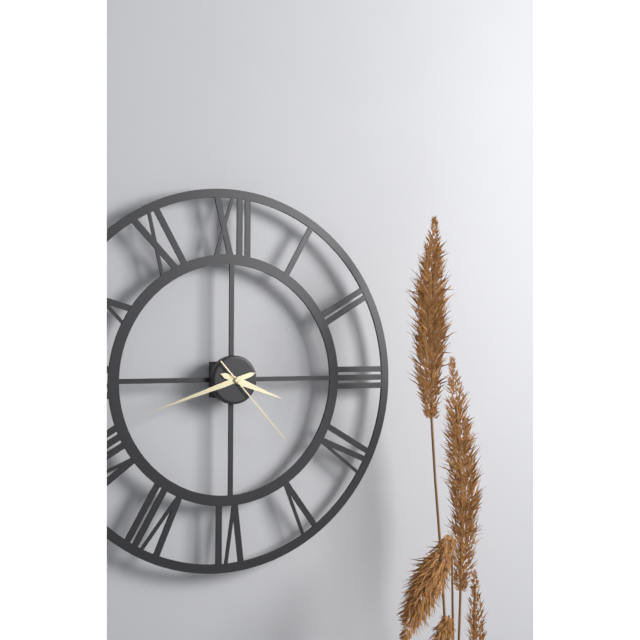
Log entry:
3h42m23s
